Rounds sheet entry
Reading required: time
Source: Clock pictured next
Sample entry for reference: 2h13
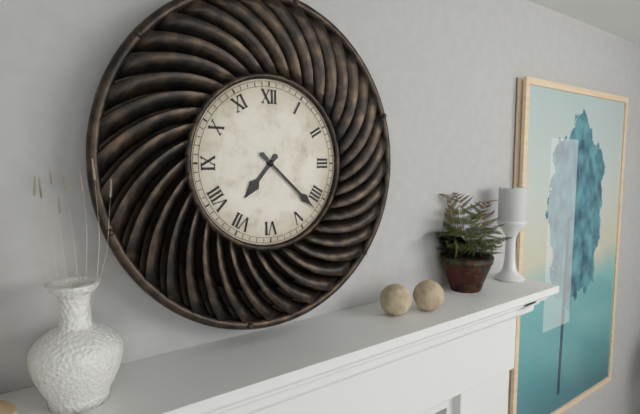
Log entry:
7h22
